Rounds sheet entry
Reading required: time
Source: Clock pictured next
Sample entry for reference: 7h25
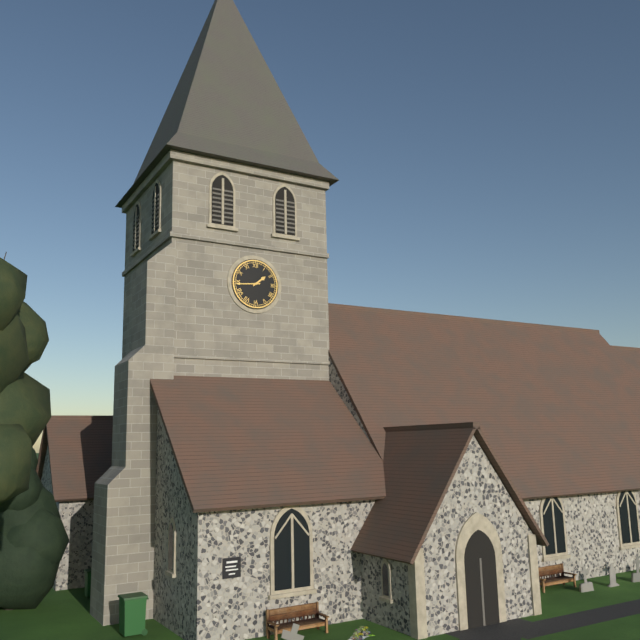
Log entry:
1h44
